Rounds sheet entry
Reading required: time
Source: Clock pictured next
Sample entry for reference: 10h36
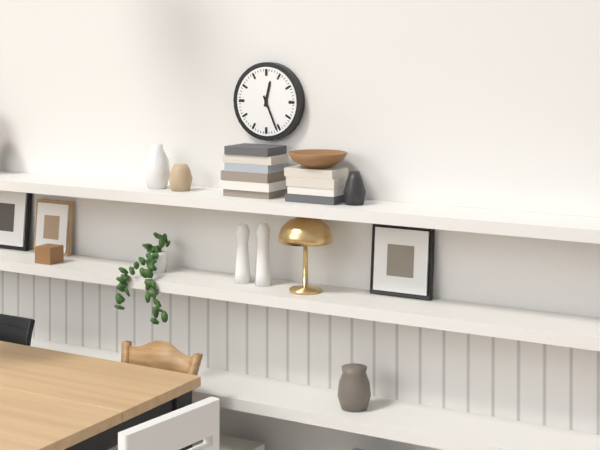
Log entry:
12h26
